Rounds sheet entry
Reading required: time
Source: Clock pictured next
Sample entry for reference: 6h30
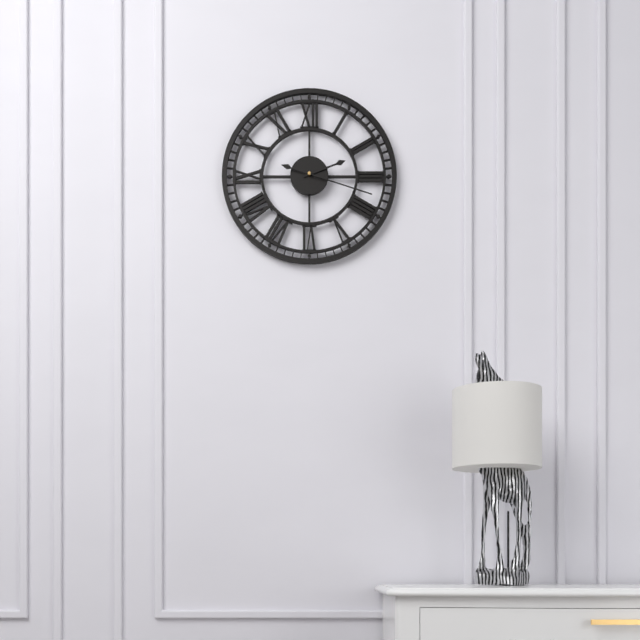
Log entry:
2h18
